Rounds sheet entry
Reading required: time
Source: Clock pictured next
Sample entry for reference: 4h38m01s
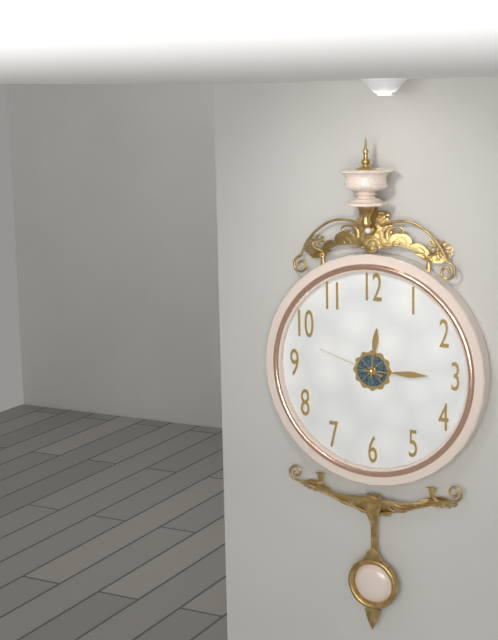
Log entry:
12h15m48s
